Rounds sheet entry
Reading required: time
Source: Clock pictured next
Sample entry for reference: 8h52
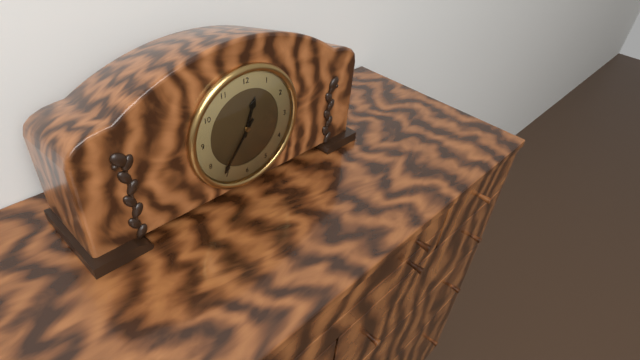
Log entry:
12h36
